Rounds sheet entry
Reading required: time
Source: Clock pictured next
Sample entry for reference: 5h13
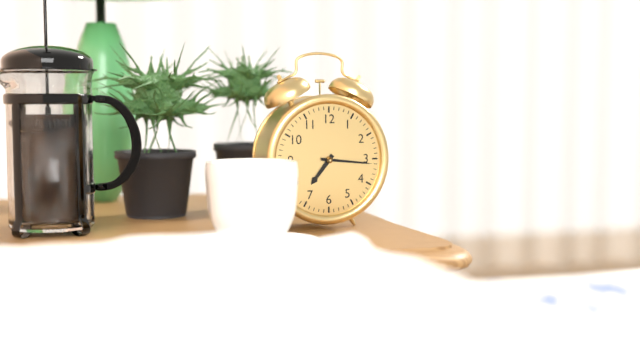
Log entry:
7h16
